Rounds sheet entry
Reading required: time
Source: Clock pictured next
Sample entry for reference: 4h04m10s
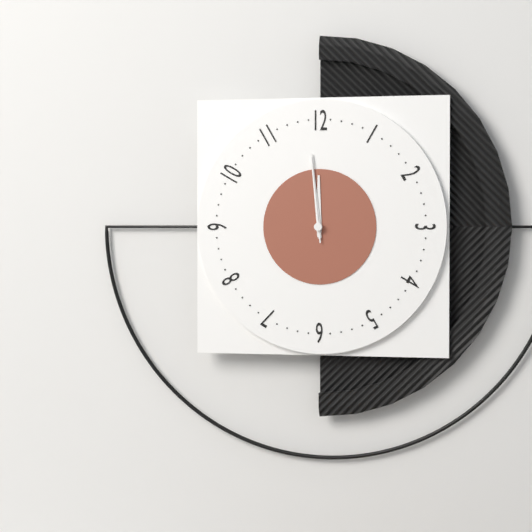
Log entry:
11h59m59s
